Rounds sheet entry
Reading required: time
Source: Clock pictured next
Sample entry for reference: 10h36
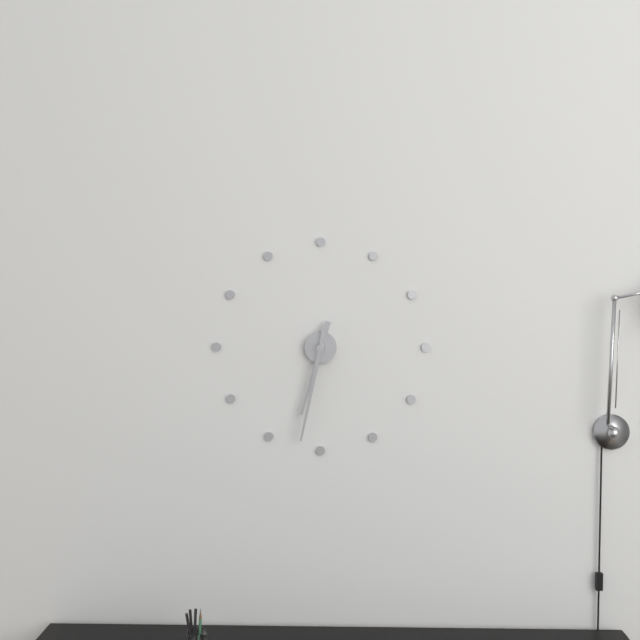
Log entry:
6h32
